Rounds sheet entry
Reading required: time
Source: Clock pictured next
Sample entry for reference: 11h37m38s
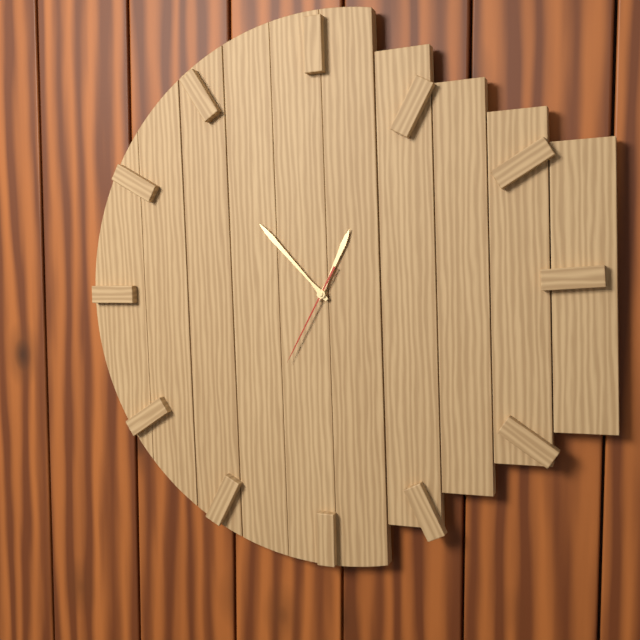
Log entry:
12h53m35s
